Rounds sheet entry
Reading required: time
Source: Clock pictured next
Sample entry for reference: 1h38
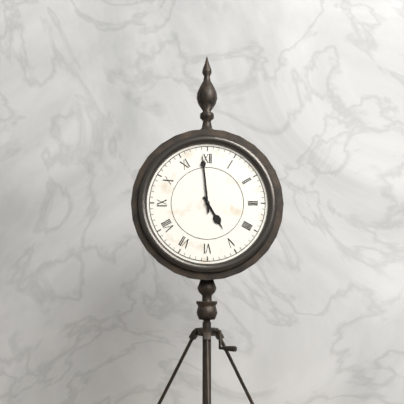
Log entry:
4h59
